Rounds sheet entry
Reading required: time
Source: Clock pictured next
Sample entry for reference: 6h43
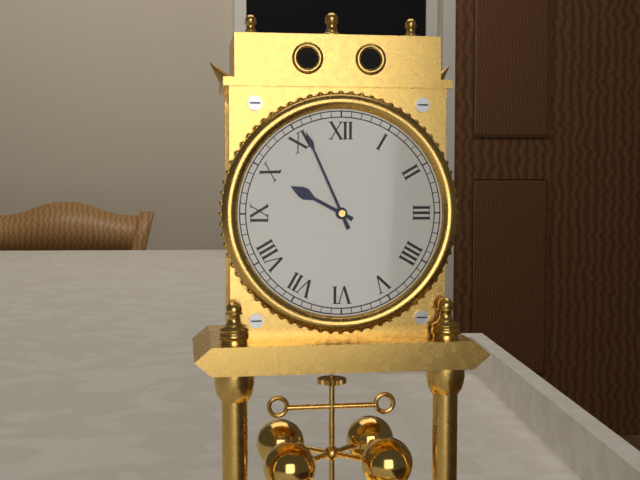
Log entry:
9h56
